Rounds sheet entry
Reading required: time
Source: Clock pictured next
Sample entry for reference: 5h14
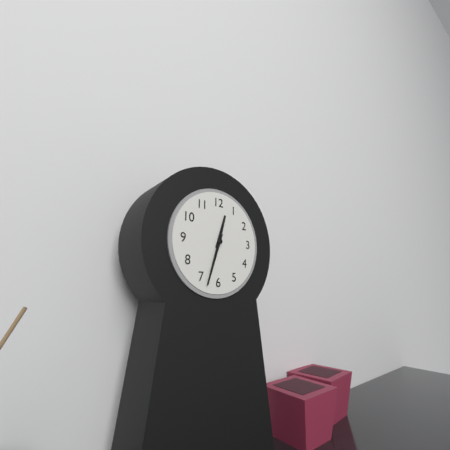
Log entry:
12h33
